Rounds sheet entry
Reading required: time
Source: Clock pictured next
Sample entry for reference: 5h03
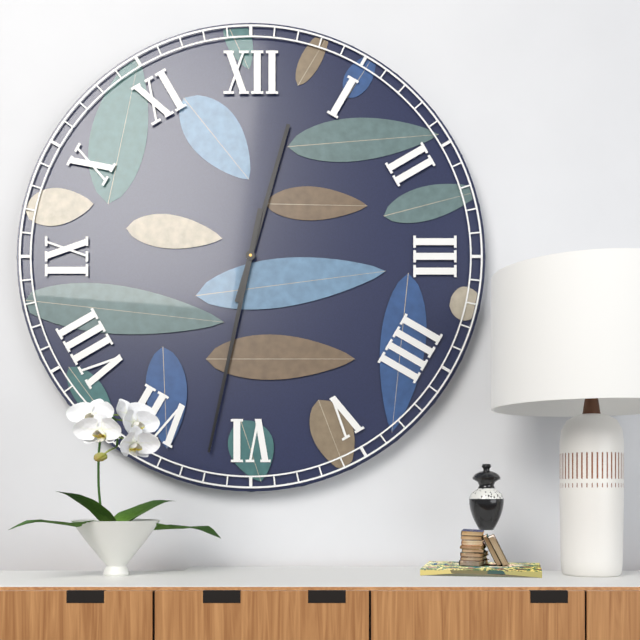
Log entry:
12h32
